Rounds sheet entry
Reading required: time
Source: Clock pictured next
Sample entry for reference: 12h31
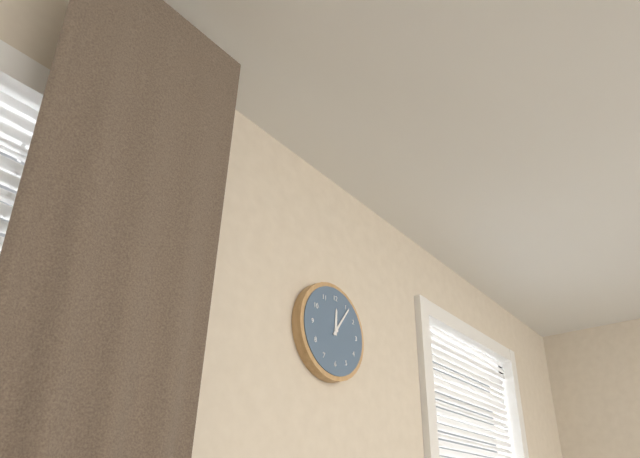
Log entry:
12h06
